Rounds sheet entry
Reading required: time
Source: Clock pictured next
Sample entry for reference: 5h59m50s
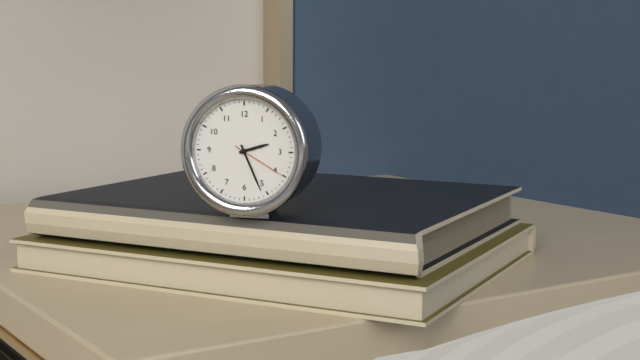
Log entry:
2h26m20s
